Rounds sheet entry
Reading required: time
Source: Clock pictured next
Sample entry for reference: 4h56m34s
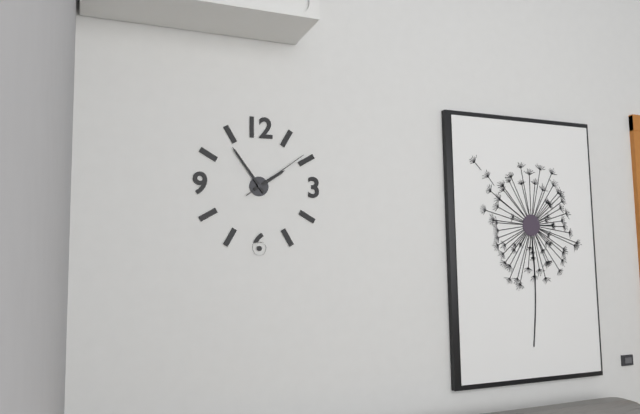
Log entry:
1h54m09s
